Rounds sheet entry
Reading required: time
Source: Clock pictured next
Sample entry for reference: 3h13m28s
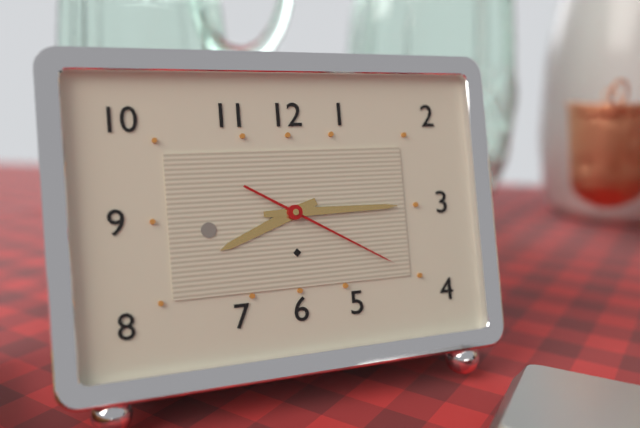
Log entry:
8h15m20s
